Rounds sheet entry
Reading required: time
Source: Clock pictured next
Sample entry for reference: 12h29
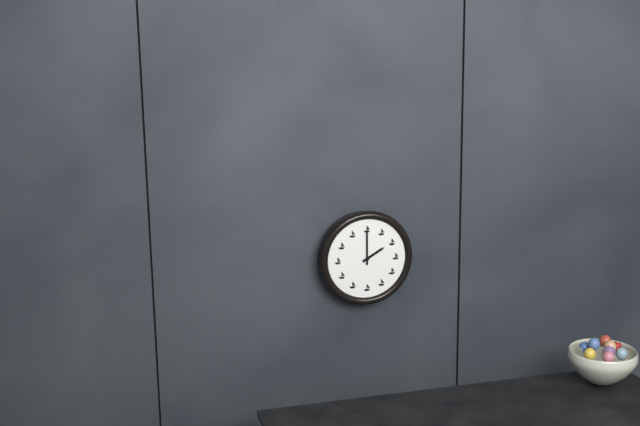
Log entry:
2h00
